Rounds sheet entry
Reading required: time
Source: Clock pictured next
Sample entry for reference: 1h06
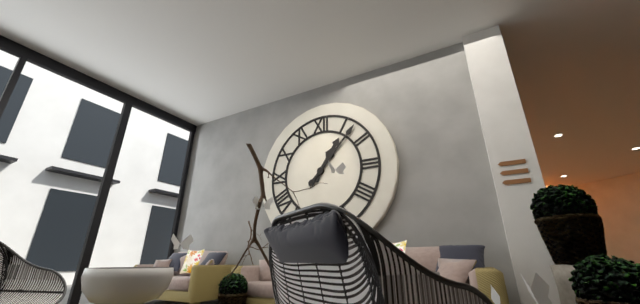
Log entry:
1h07
